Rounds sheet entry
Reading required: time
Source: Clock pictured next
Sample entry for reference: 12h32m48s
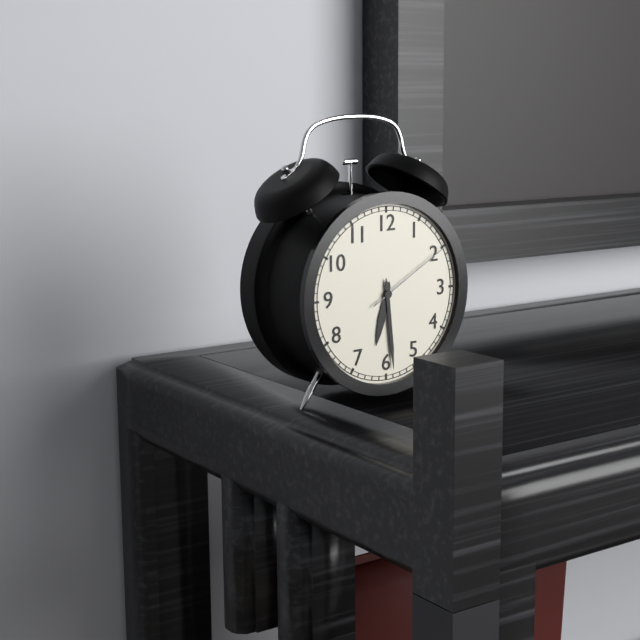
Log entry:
6h29m10s
